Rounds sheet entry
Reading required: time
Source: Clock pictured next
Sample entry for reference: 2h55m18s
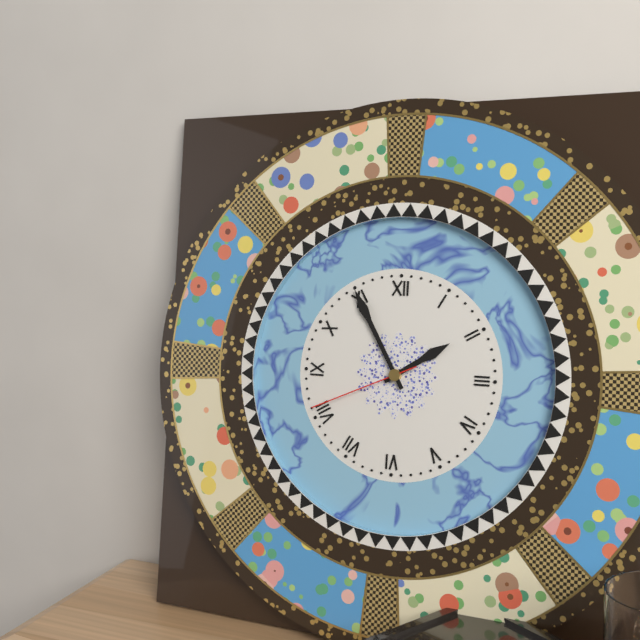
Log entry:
1h55m41s
